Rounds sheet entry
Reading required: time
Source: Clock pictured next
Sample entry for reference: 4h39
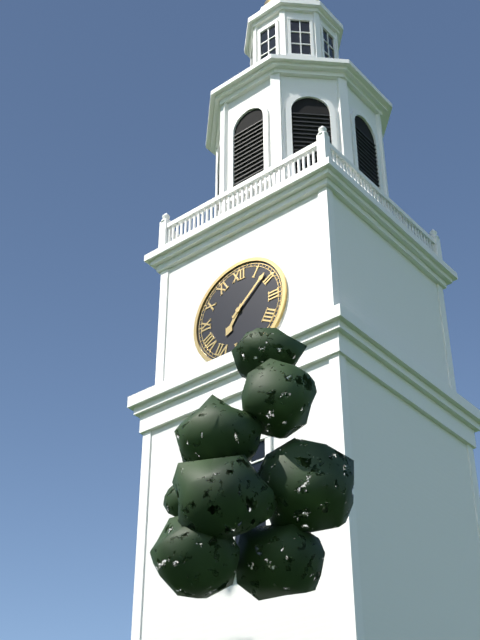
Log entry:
7h08
